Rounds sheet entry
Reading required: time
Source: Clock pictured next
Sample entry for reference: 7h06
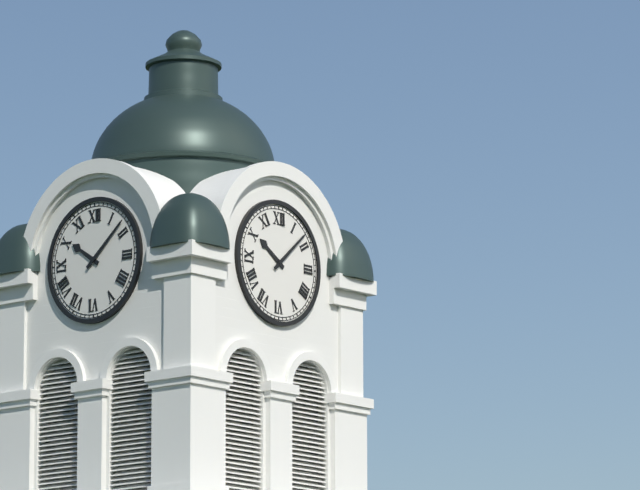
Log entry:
10h08
